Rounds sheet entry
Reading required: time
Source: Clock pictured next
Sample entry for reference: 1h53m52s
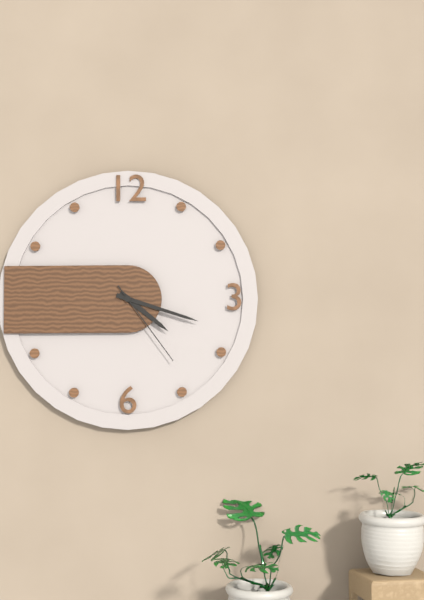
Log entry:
4h18m24s
